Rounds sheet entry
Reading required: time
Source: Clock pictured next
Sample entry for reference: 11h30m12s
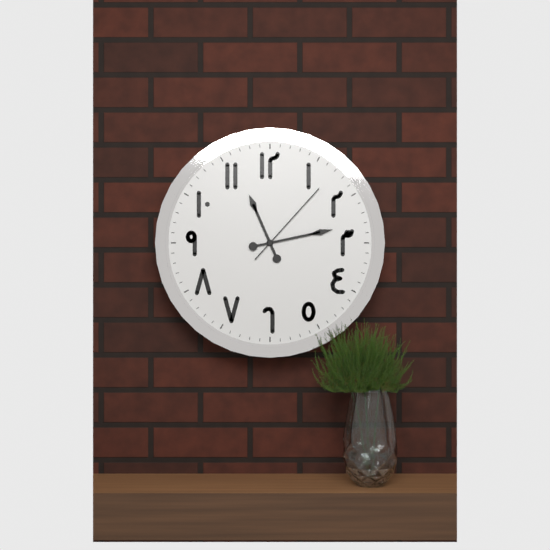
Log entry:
11h13m07s
